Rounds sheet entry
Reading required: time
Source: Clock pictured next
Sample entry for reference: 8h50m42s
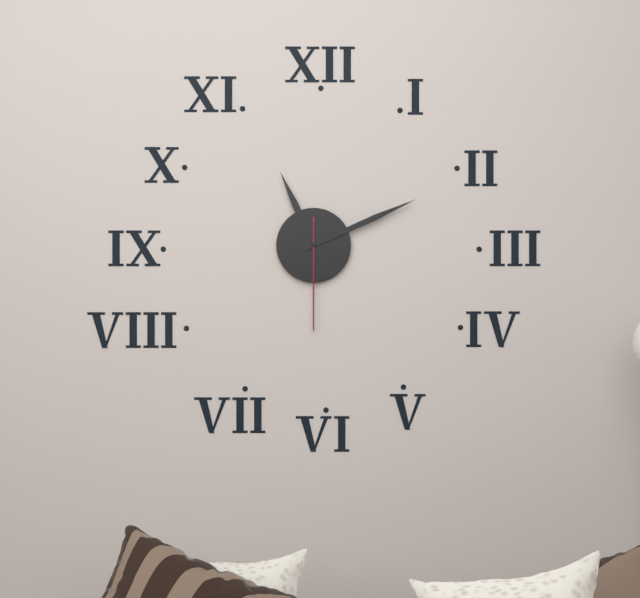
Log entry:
11h11m30s
